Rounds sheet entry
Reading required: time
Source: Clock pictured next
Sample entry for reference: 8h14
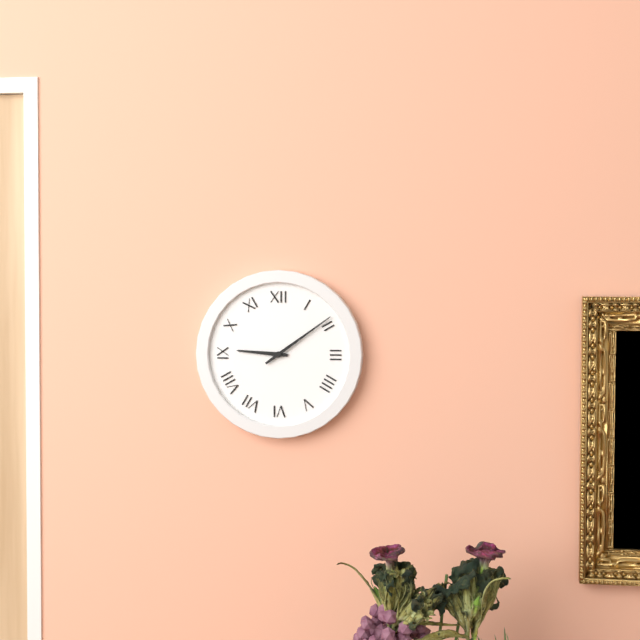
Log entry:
9h09
